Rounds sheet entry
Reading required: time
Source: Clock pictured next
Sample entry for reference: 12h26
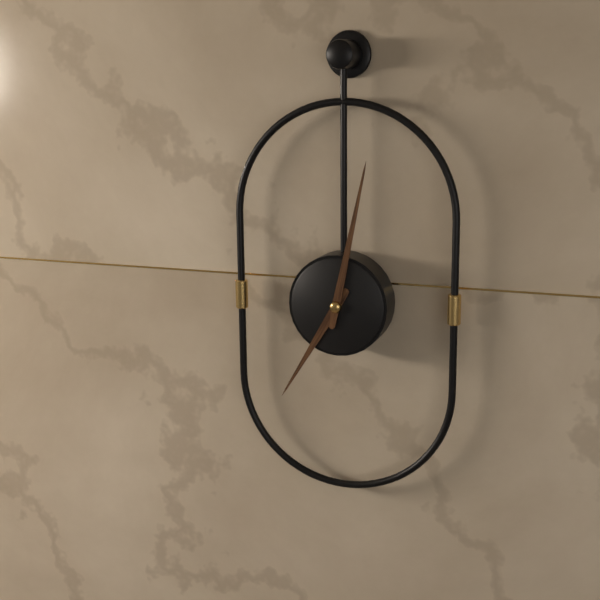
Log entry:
7h02
